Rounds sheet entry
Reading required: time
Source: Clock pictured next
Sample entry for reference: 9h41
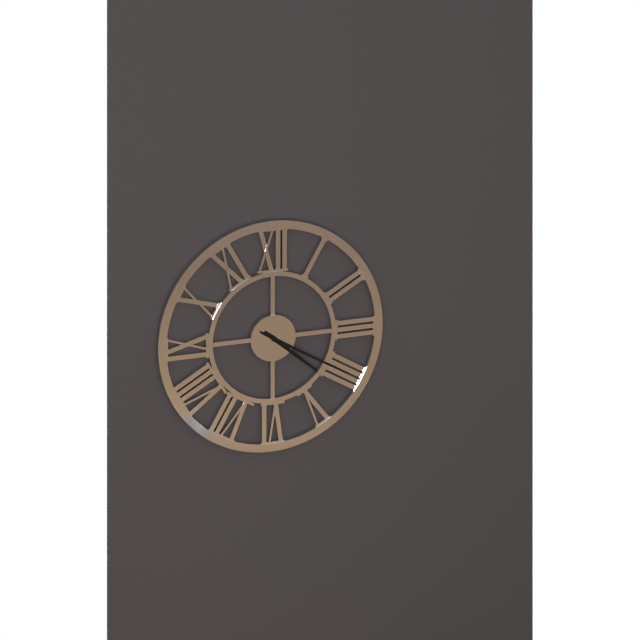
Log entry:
4h20
